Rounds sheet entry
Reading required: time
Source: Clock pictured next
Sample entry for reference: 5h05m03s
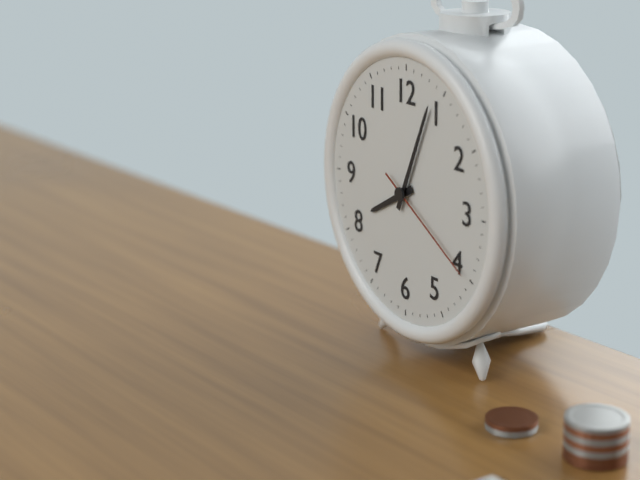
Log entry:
8h04m20s
